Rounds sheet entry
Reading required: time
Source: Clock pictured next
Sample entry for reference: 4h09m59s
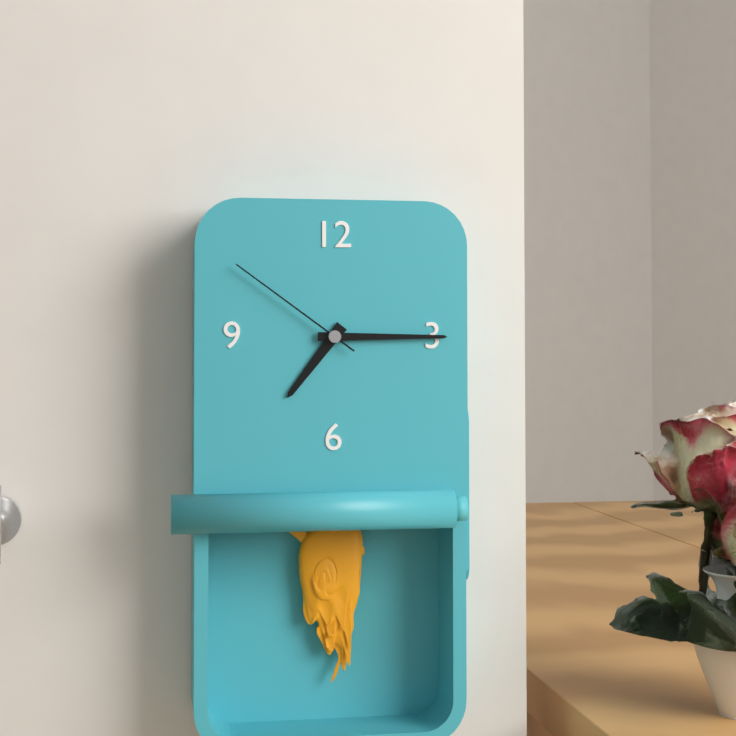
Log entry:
7h15m51s
